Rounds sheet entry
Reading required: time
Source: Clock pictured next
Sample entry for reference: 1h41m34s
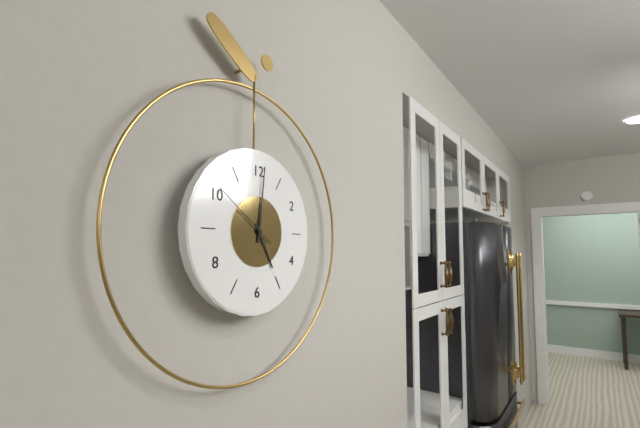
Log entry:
5h01m51s
